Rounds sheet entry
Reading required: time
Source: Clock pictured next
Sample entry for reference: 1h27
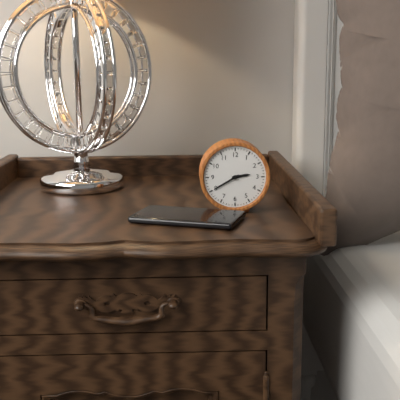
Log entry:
2h40
